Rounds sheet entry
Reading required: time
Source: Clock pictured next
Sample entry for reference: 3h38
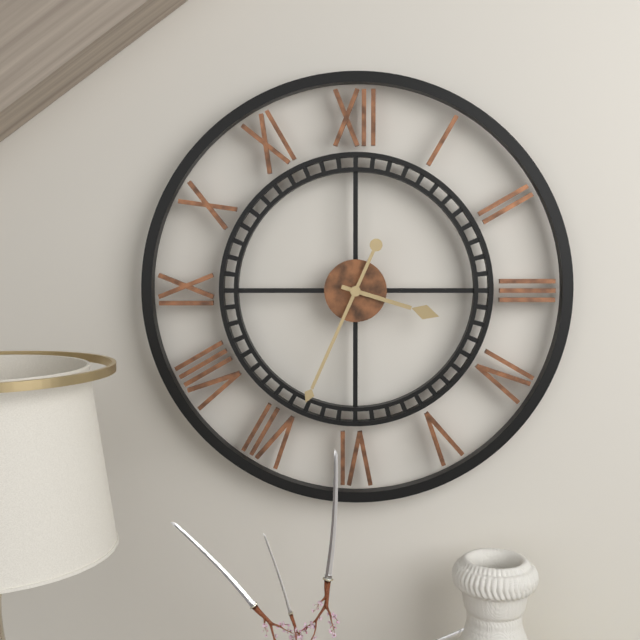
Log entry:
3h34
